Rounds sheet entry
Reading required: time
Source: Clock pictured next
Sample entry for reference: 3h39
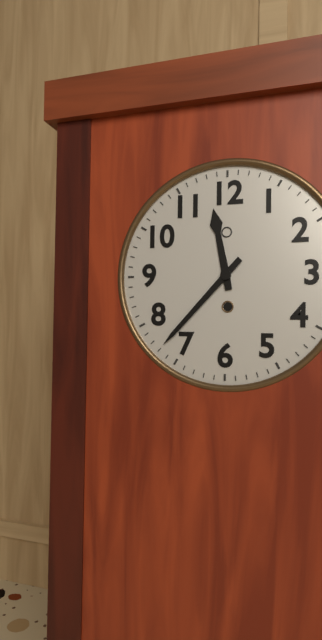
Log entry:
11h37
